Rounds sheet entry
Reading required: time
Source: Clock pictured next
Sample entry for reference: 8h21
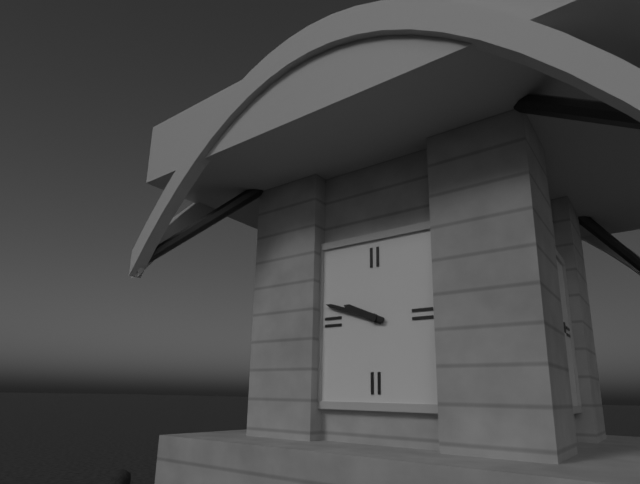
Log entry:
9h48
